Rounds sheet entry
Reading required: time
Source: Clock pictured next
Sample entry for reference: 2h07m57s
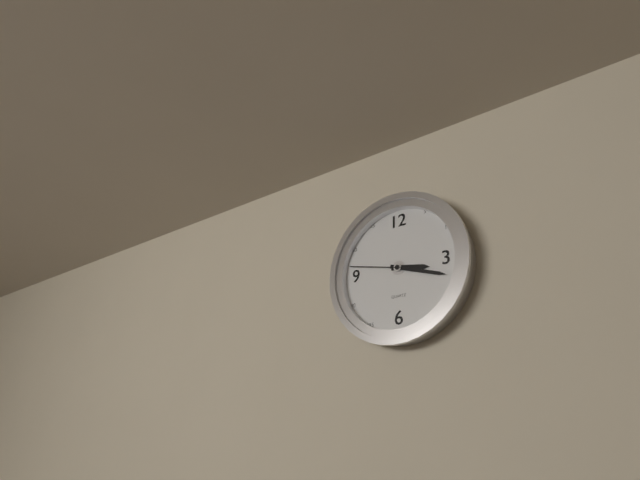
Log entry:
3h18m47s
